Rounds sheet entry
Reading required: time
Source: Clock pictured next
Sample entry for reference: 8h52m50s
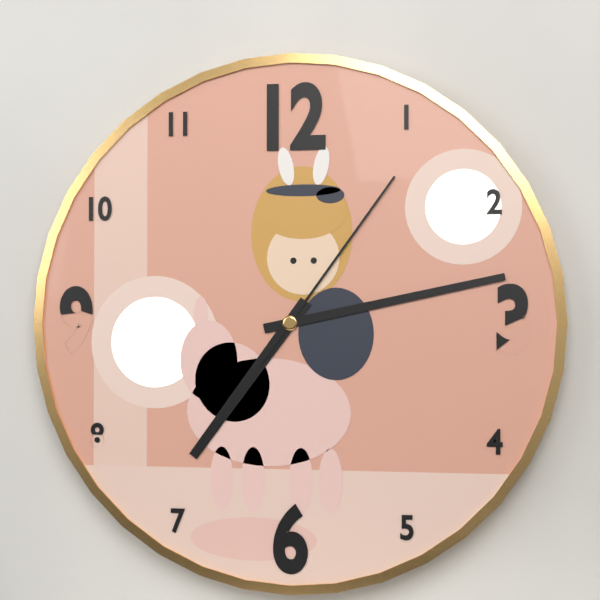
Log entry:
7h13m06s
